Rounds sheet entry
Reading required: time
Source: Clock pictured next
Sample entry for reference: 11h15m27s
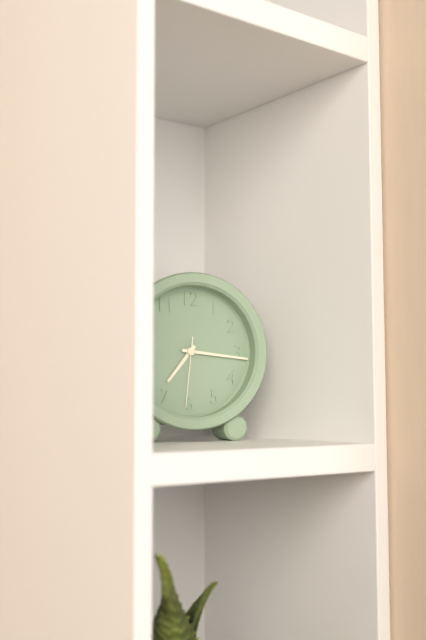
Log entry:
7h16m31s
